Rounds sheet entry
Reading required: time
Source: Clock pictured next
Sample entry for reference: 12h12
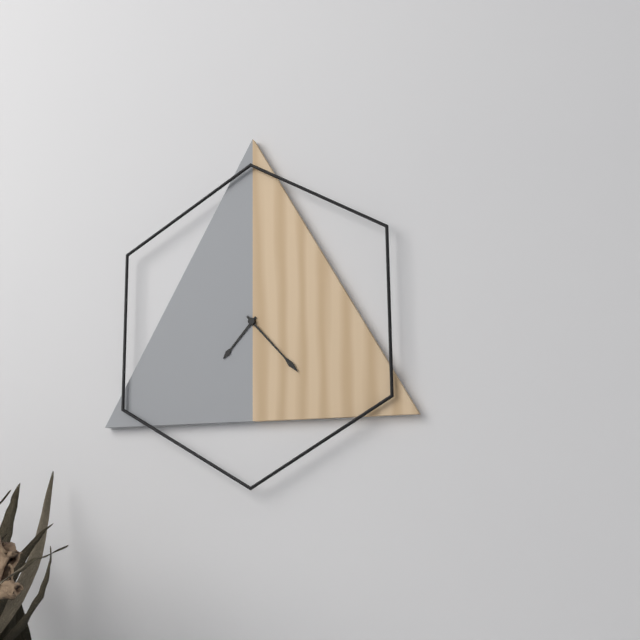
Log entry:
7h23
